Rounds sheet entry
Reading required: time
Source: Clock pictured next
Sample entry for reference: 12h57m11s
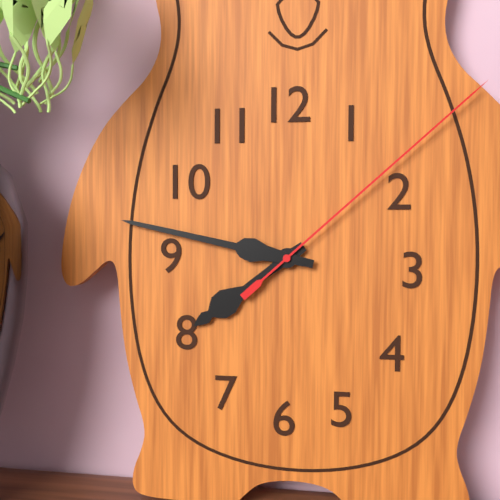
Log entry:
7h47m08s
